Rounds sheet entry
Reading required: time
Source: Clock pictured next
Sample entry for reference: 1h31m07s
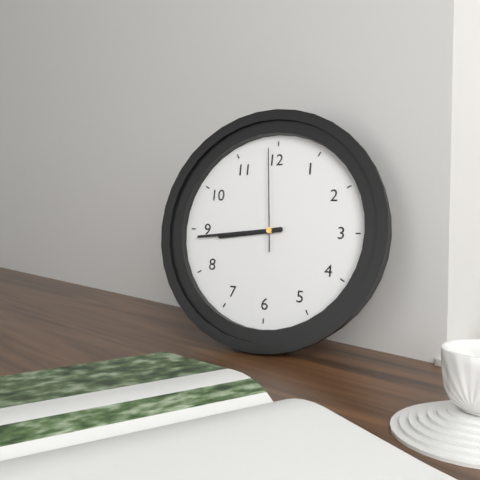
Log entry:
8h44m59s
